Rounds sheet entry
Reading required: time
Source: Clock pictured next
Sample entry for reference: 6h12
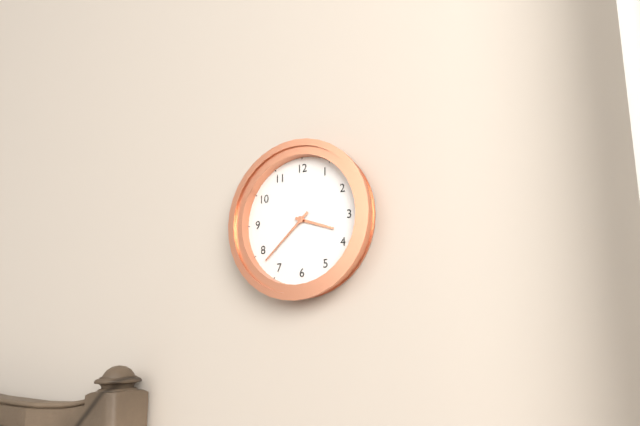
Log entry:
3h38
